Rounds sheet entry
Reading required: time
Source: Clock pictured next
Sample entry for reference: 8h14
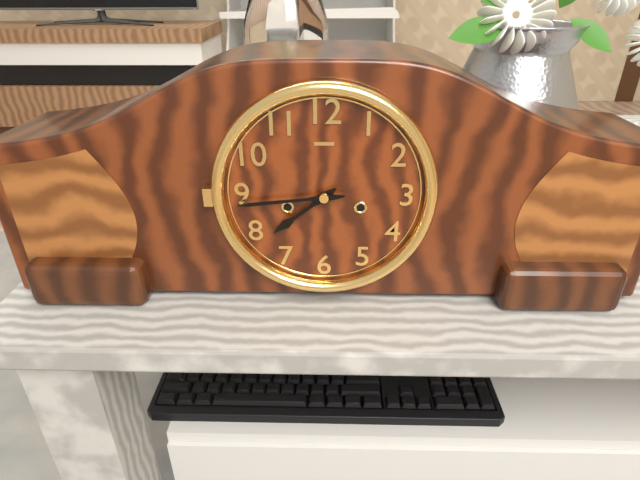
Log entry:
7h44
